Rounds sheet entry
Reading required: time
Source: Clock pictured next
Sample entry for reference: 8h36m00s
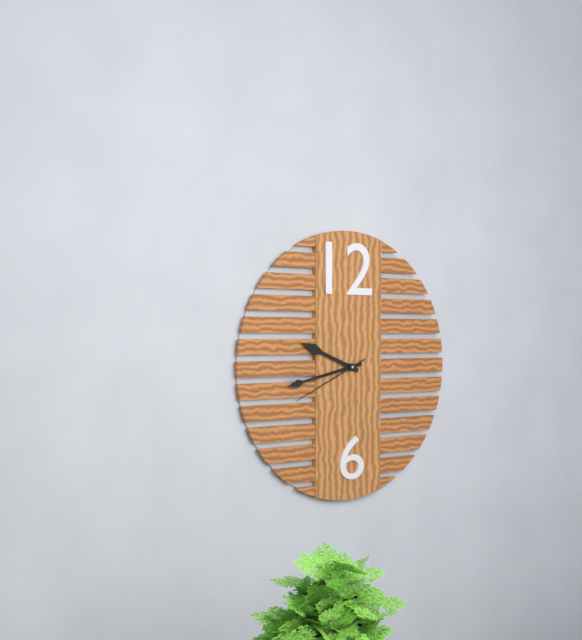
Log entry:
9h43m41s
